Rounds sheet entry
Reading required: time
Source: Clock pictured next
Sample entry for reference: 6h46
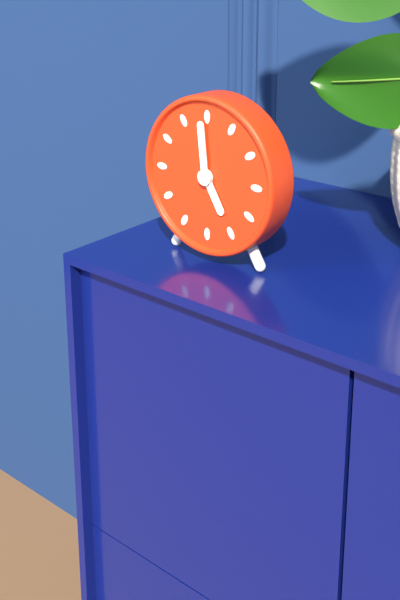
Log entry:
4h59
